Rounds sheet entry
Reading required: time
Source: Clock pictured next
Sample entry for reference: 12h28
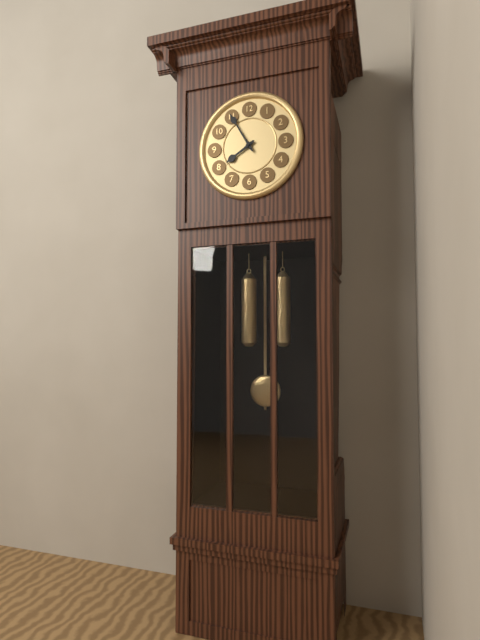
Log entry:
7h55
